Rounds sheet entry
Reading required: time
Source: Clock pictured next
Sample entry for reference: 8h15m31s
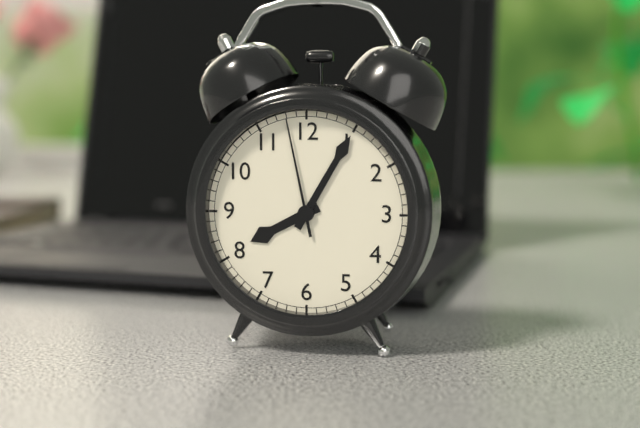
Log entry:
8h05m58s
